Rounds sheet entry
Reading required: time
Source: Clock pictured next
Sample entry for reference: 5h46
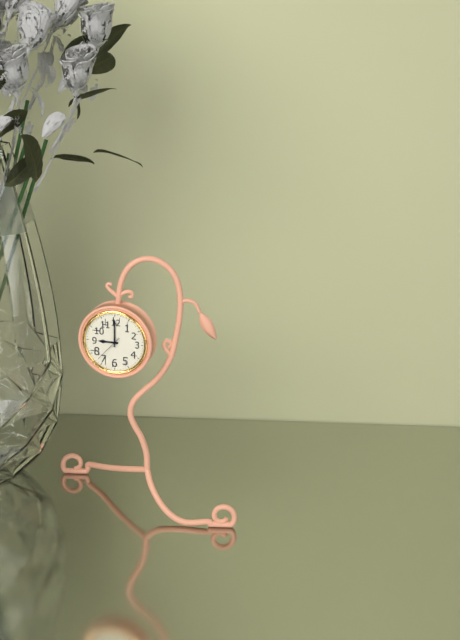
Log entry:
9h00
